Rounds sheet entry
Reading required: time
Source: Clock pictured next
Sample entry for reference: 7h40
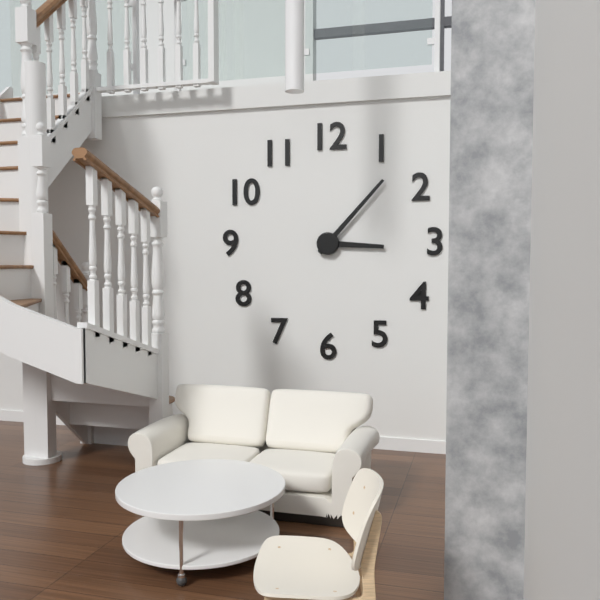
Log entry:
3h07
